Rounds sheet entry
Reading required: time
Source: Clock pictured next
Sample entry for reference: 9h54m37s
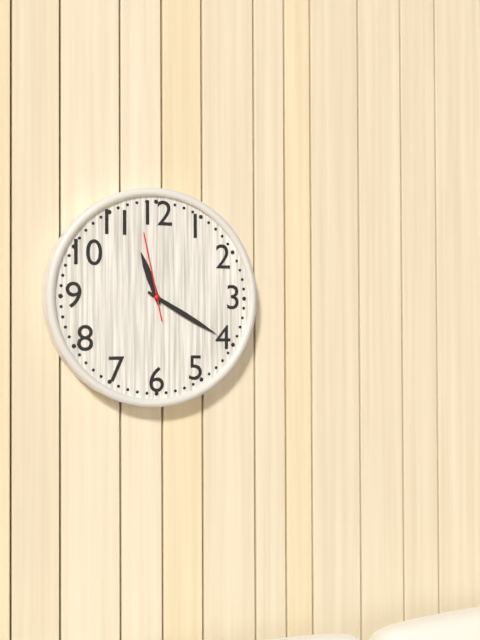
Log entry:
11h20m58s
